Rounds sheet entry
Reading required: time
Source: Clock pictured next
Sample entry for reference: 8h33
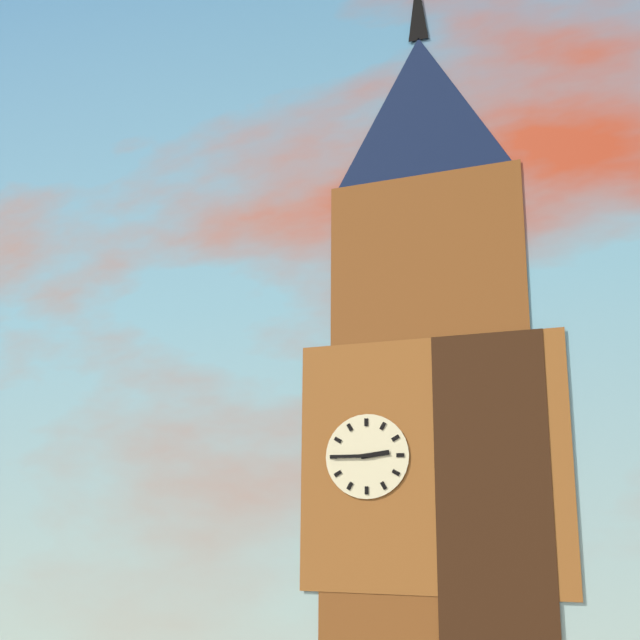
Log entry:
2h45
